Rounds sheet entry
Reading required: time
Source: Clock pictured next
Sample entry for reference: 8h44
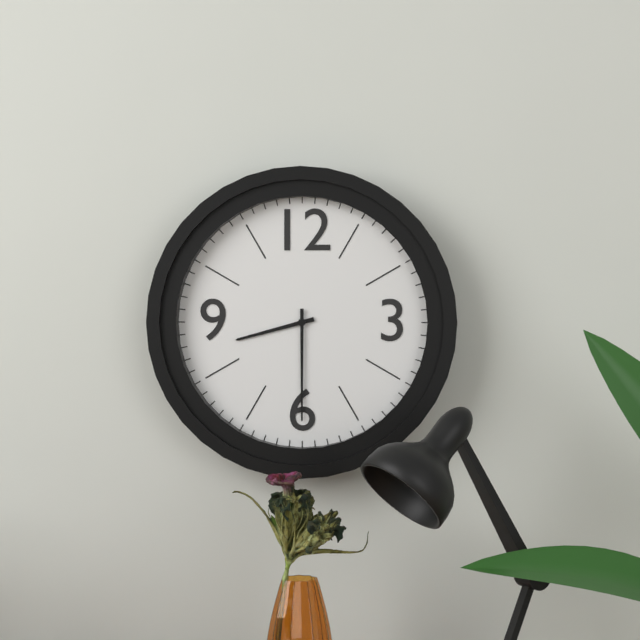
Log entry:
8h30
